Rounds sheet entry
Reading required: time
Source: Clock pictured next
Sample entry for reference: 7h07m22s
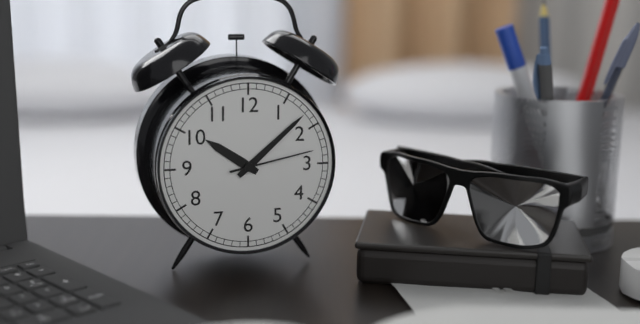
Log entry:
10h08m13s
